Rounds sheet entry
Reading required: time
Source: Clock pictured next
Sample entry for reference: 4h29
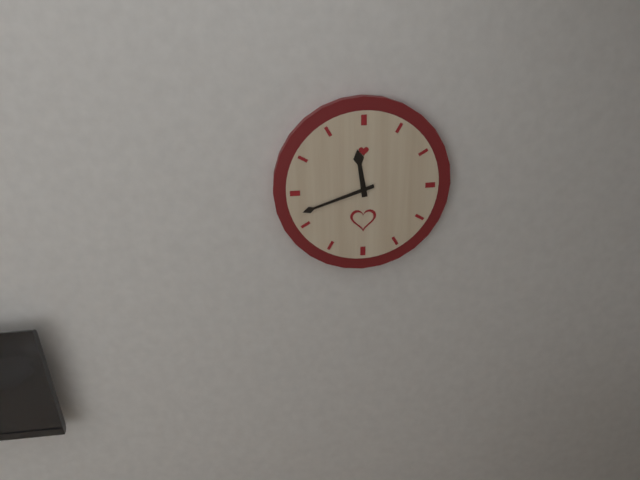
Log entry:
11h42
